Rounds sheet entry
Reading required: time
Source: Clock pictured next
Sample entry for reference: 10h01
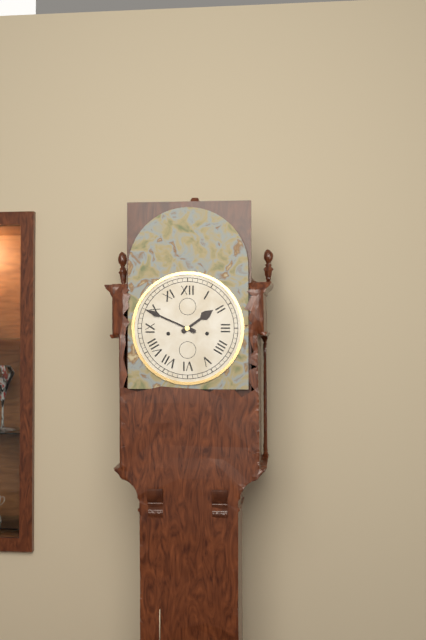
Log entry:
1h49
